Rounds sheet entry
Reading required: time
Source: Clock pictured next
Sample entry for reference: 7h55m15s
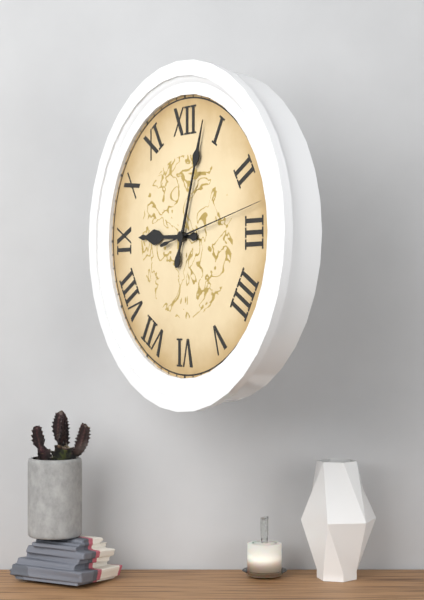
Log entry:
9h03m13s
